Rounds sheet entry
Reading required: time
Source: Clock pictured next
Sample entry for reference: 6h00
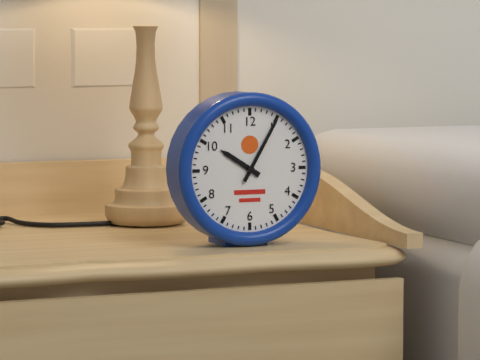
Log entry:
10h05
